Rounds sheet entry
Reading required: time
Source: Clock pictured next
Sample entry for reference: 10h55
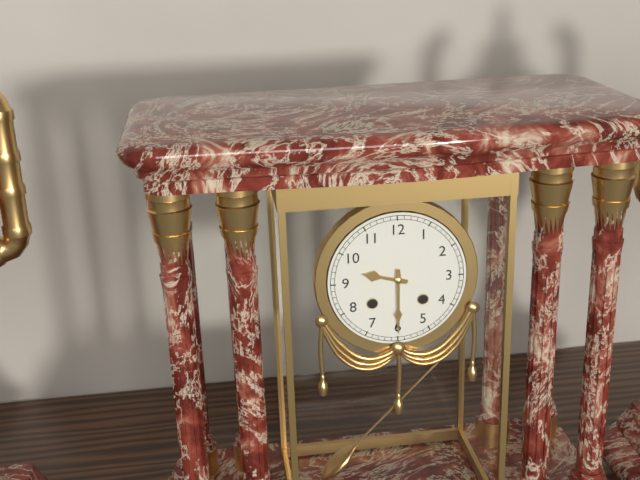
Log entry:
9h30
